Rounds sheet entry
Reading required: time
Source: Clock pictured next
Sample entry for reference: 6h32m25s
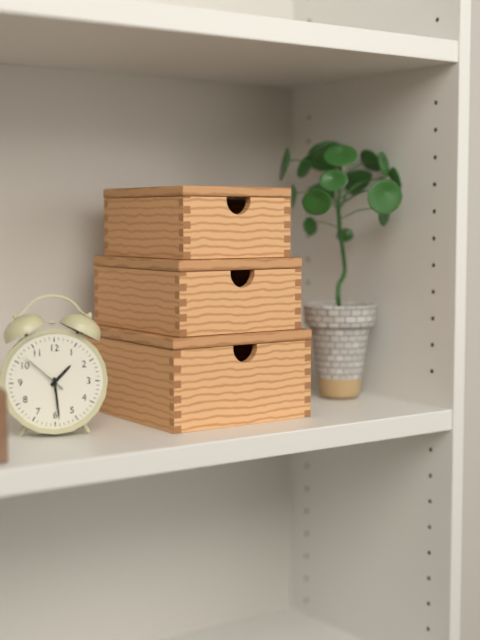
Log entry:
1h29m52s
